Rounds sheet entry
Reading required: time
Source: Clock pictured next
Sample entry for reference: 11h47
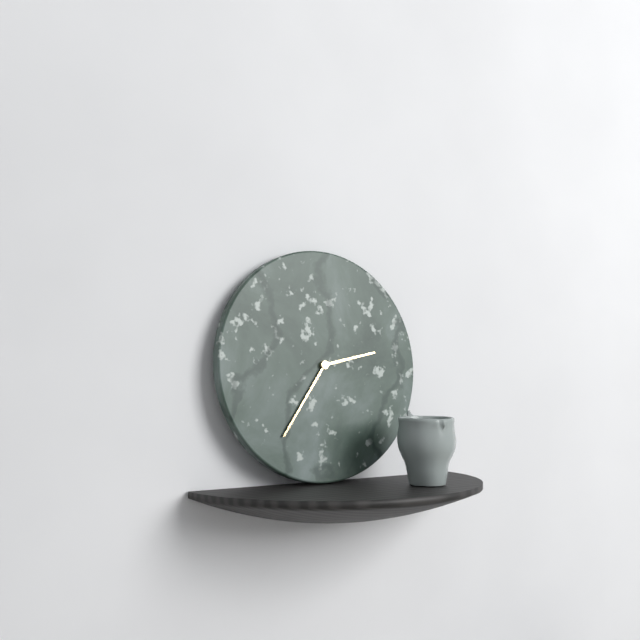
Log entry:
2h36
